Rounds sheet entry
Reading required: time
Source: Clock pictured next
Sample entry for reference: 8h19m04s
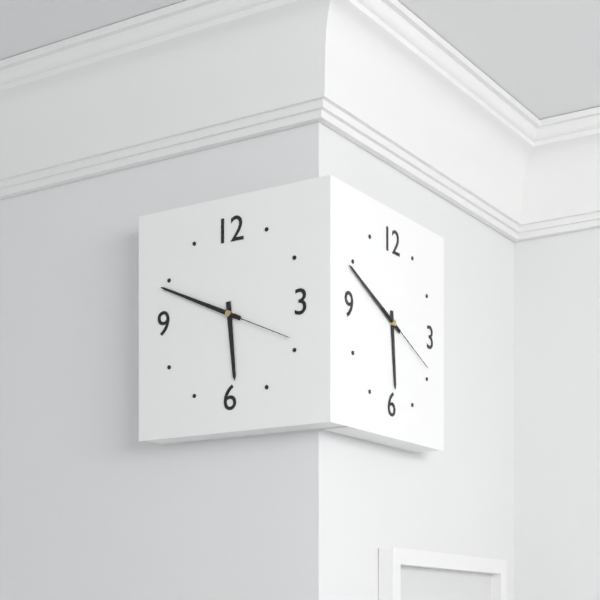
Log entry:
5h49m19s
